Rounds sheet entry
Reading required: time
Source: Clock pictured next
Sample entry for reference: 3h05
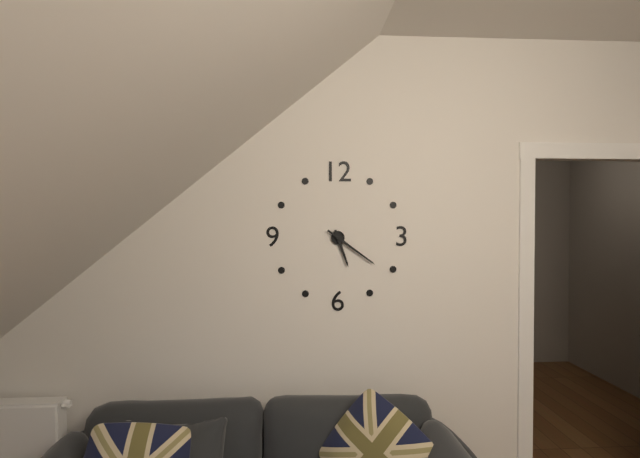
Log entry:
5h21
